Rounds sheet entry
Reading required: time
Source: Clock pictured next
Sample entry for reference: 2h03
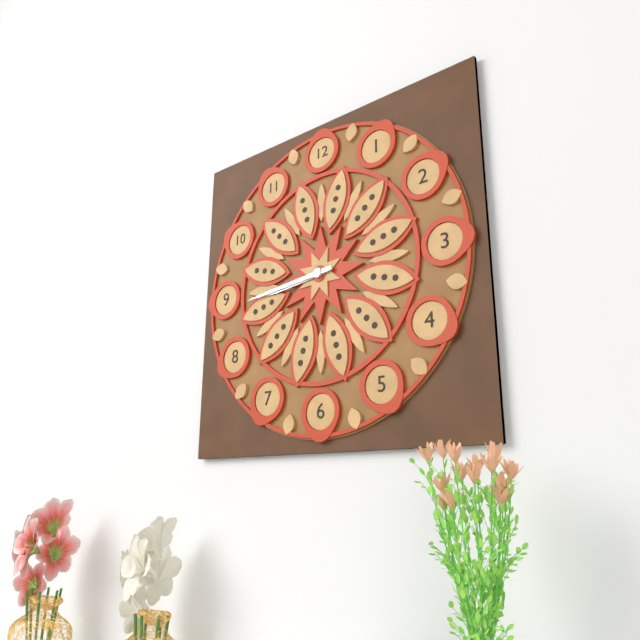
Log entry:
8h44
